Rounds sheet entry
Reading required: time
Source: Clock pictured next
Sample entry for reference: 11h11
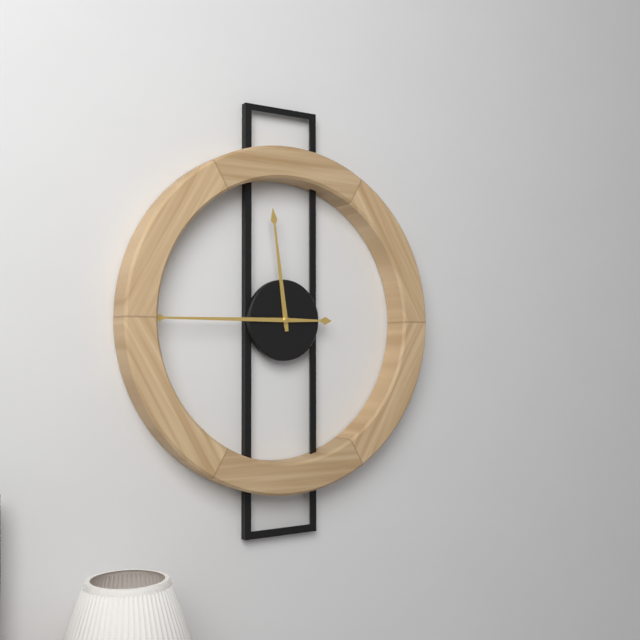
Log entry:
11h45
